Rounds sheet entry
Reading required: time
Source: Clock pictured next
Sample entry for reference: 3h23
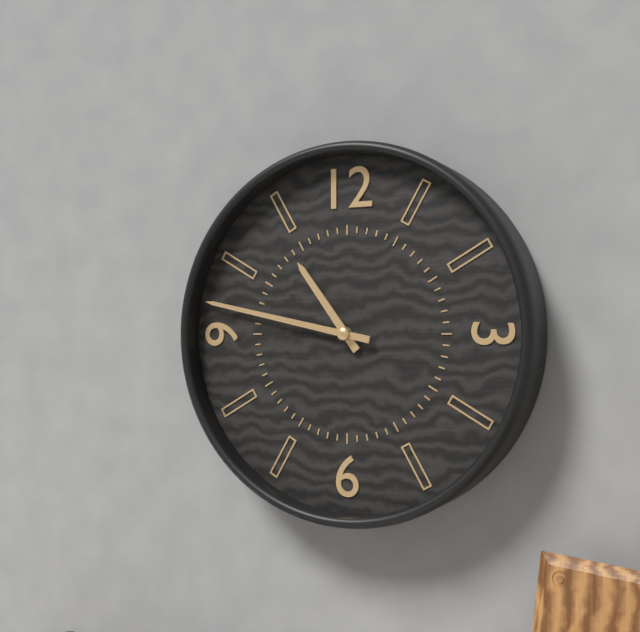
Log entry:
10h47
